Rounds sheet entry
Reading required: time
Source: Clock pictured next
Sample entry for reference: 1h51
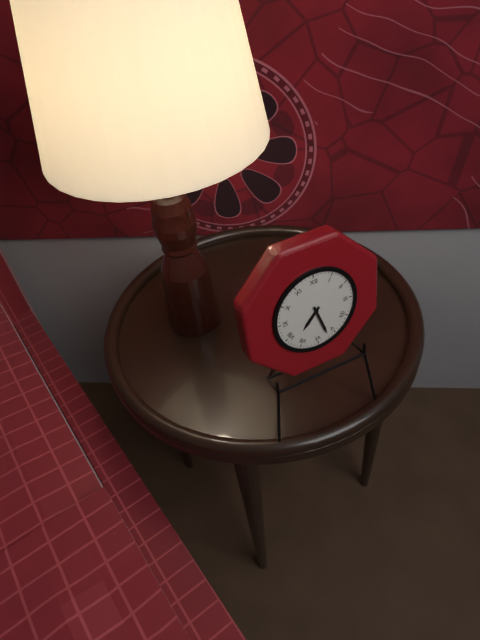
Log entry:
7h27
